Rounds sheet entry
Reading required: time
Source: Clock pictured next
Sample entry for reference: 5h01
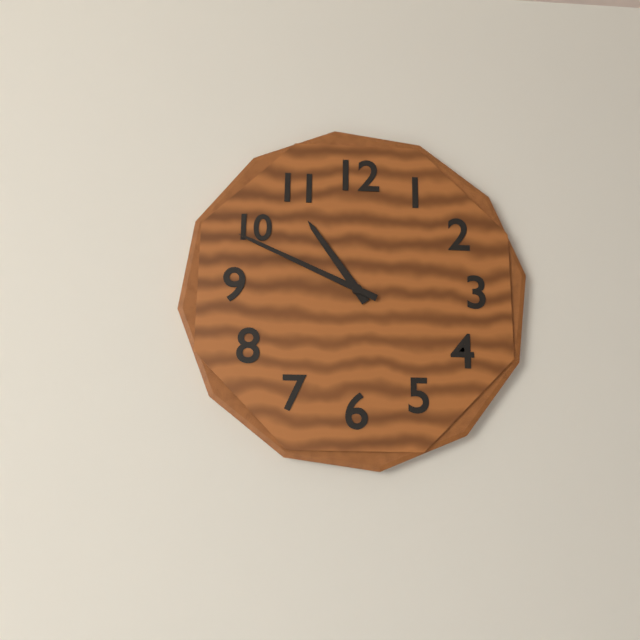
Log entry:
10h49
